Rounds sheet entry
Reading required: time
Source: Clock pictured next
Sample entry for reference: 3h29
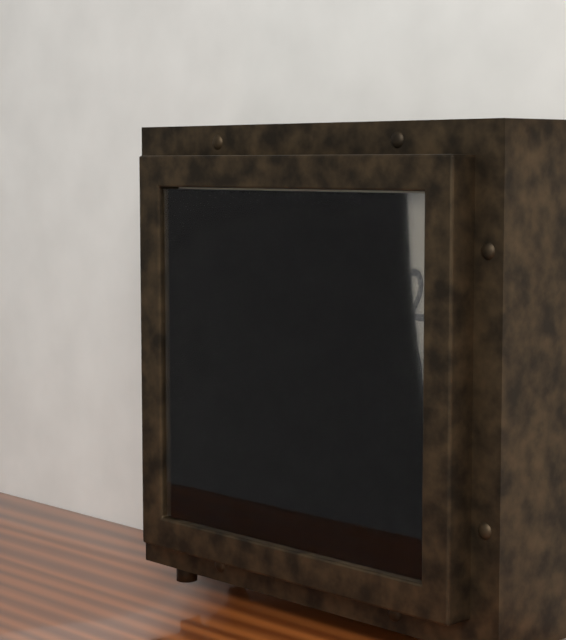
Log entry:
4h56
